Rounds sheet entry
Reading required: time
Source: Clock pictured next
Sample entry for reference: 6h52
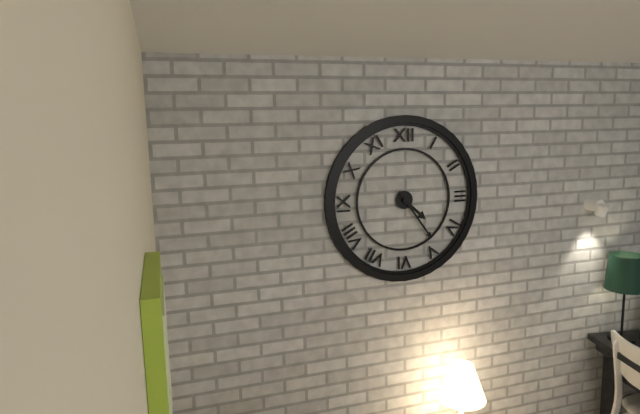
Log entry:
4h24
